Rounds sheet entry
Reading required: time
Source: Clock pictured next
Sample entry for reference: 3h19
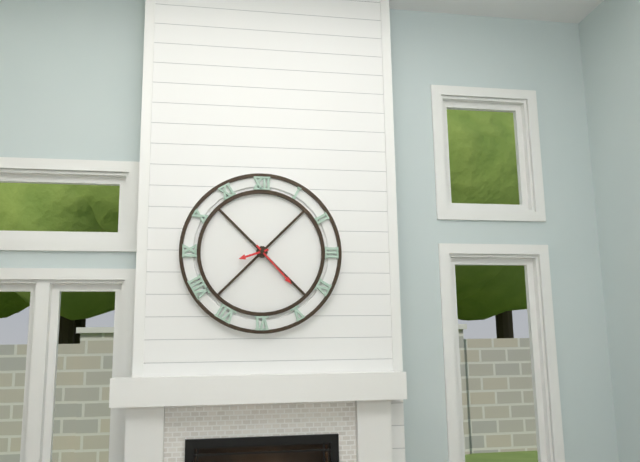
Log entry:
8h23
